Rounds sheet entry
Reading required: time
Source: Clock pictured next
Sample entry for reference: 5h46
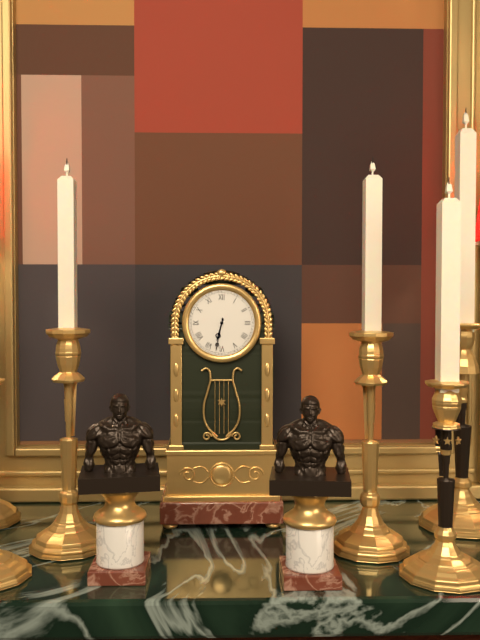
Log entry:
6h32
